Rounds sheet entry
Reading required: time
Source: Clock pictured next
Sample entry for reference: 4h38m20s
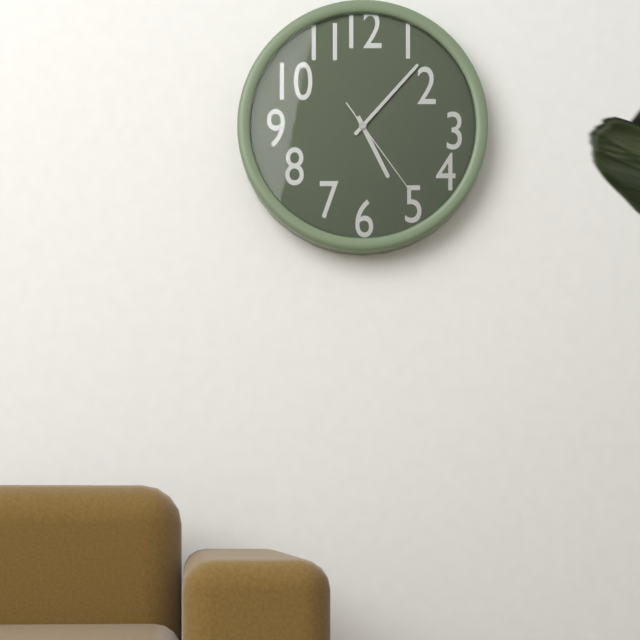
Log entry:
5h07m24s
